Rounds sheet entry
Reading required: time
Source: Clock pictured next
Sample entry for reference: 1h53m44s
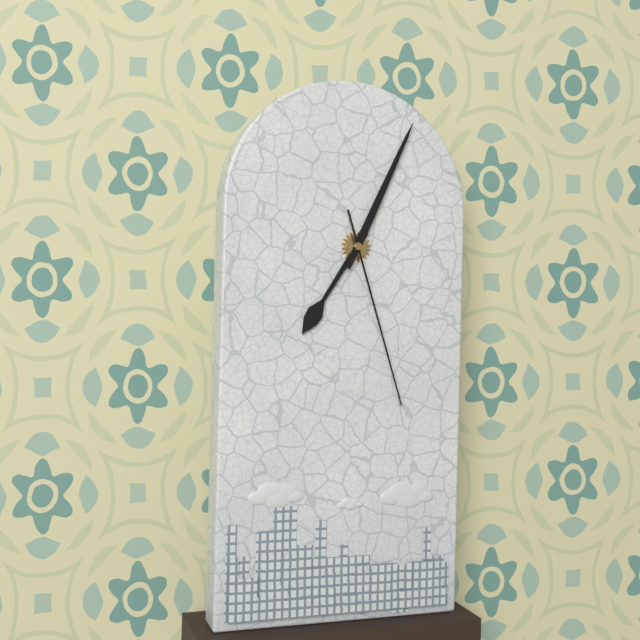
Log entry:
7h04m27s
